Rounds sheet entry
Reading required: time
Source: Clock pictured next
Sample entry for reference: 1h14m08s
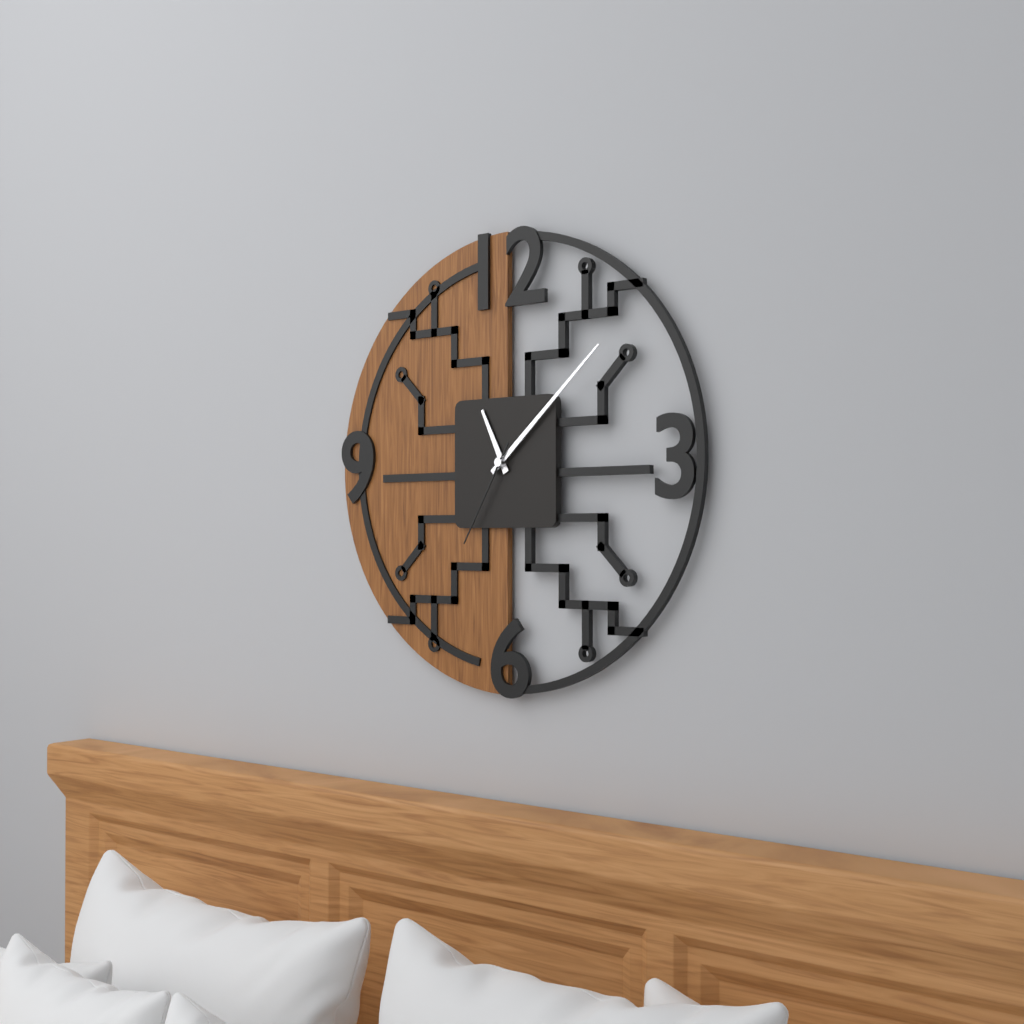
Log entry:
11h08m35s
